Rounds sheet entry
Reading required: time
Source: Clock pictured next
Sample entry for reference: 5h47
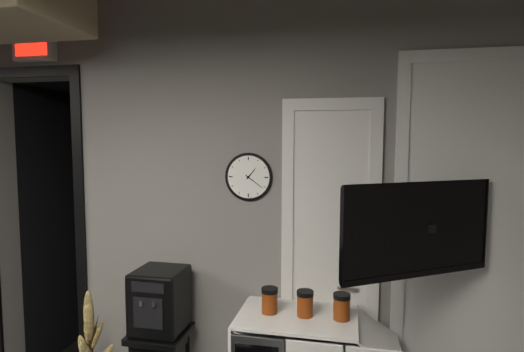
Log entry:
1h21
